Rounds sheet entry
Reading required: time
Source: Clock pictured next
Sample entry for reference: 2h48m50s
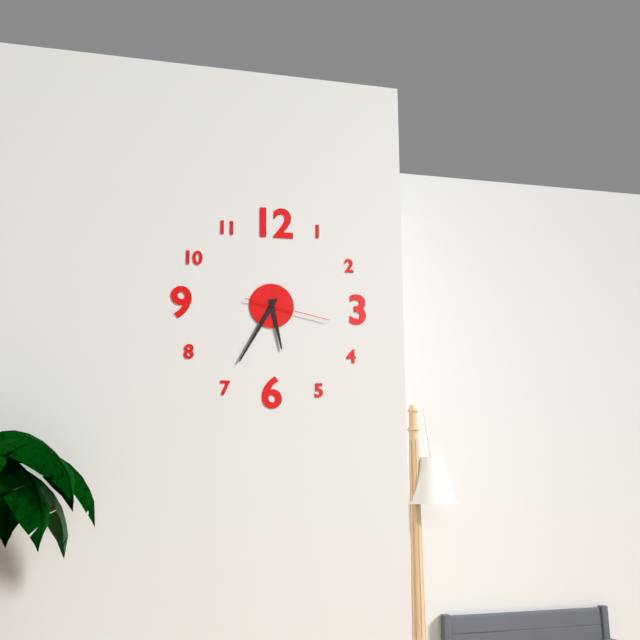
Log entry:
5h35m17s
